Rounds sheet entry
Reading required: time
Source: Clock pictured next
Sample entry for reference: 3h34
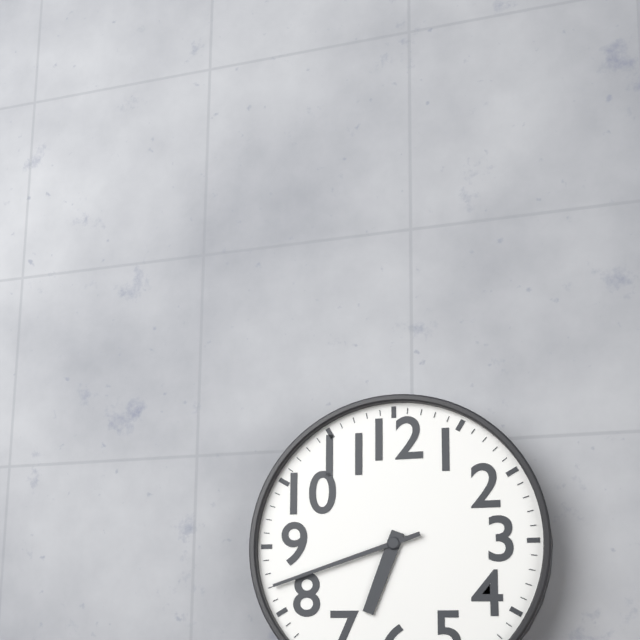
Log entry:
6h42
